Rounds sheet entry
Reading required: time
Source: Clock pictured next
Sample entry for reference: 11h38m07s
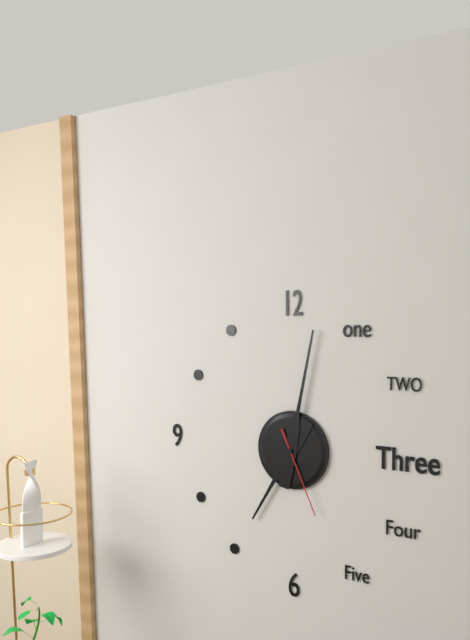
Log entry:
7h02m26s
